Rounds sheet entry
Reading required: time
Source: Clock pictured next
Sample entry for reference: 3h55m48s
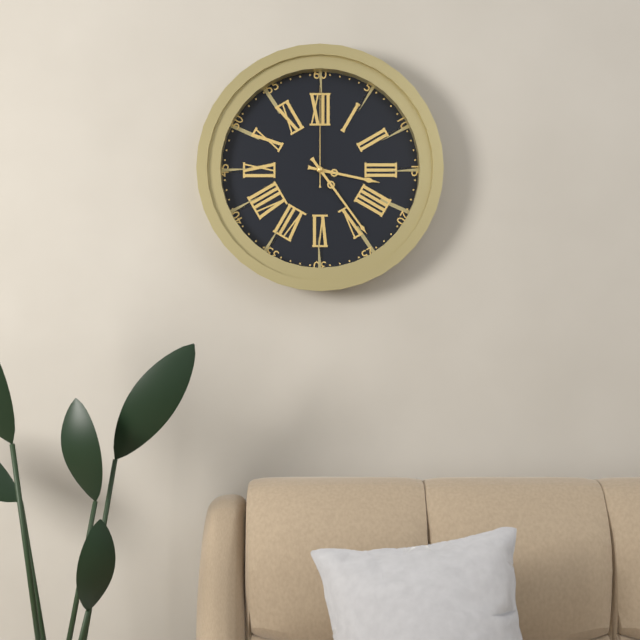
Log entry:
3h24m00s
